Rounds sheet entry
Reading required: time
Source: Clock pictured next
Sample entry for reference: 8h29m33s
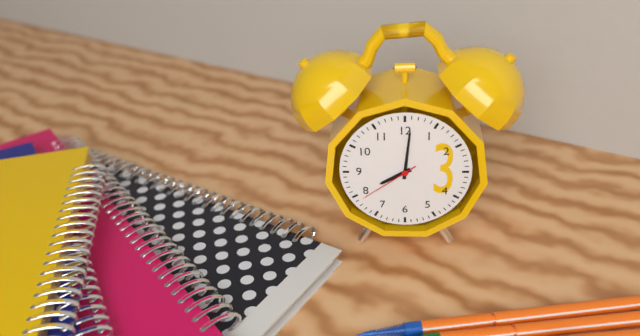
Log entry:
8h01m39s
